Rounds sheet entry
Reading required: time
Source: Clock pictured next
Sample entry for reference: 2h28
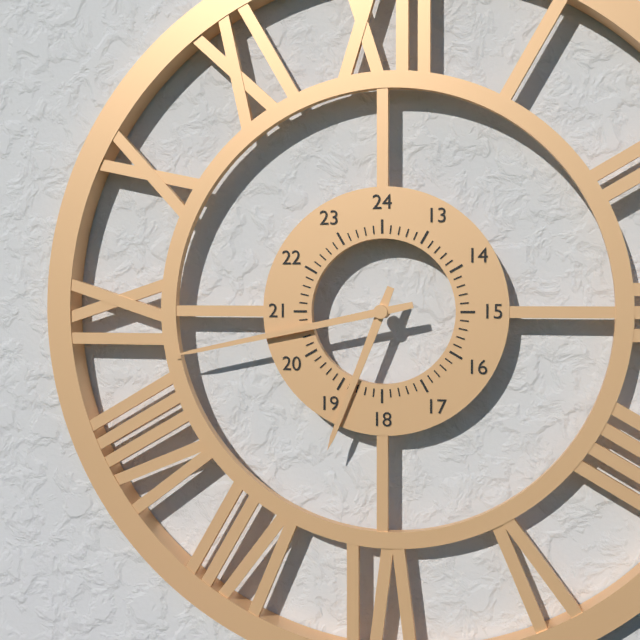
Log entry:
6h43
